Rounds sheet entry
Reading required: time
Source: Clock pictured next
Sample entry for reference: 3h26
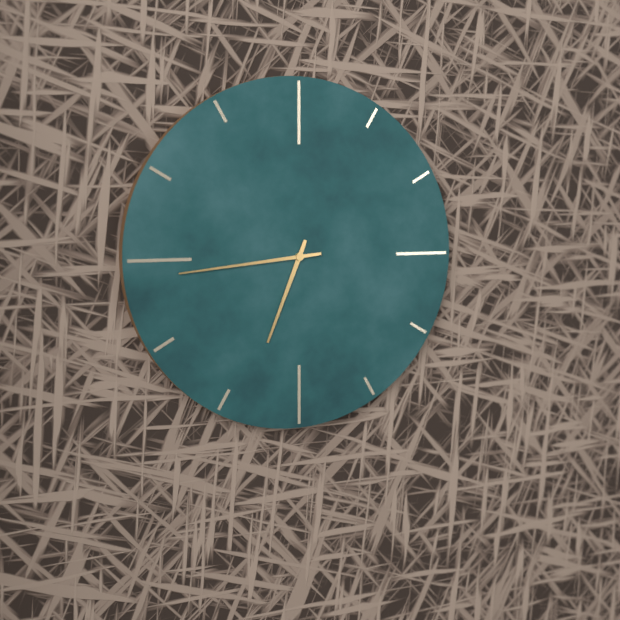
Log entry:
6h44
